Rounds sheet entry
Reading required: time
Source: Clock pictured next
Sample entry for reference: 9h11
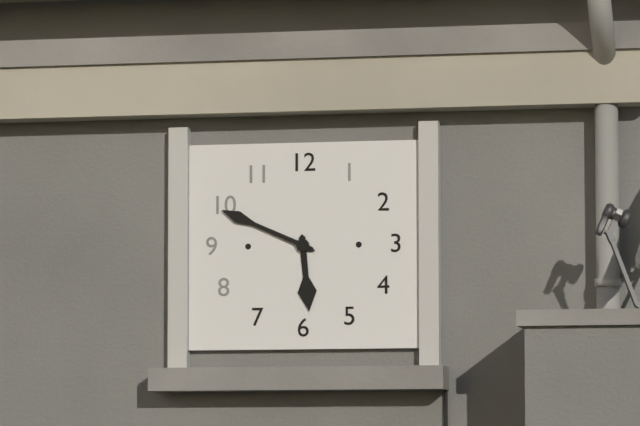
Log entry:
5h49
